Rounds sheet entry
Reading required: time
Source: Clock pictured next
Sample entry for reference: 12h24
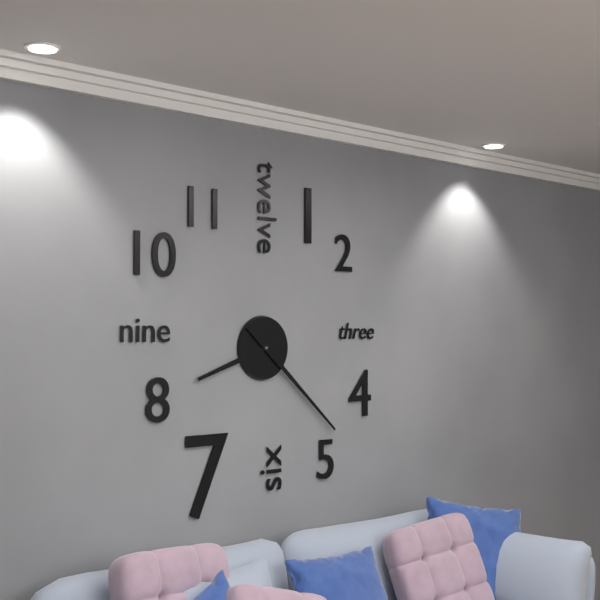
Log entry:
8h22
